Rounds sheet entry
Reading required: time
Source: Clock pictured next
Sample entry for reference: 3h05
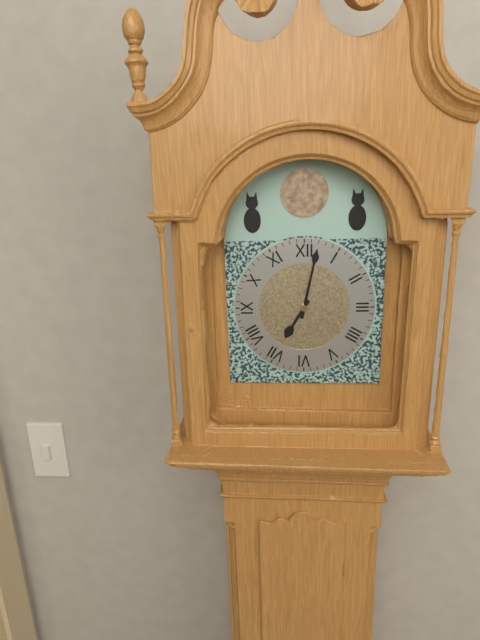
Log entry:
7h02
